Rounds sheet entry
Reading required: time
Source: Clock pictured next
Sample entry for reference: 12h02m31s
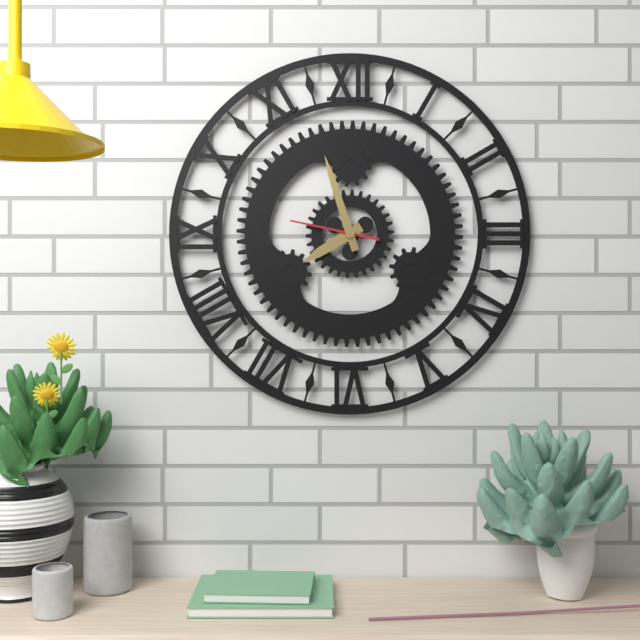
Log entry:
7h57m47s
